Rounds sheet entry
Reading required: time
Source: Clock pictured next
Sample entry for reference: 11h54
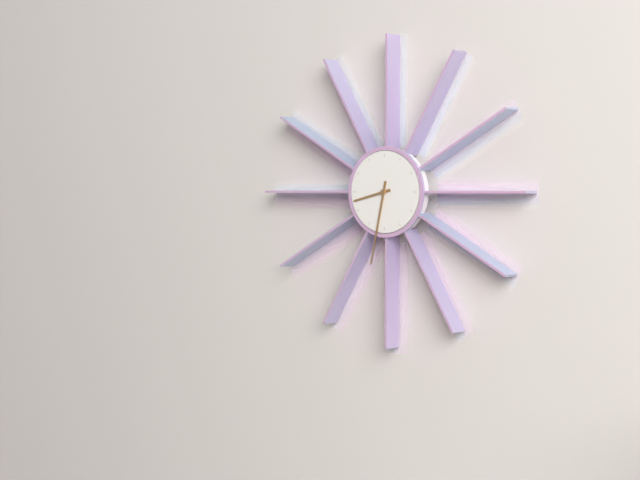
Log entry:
8h32
